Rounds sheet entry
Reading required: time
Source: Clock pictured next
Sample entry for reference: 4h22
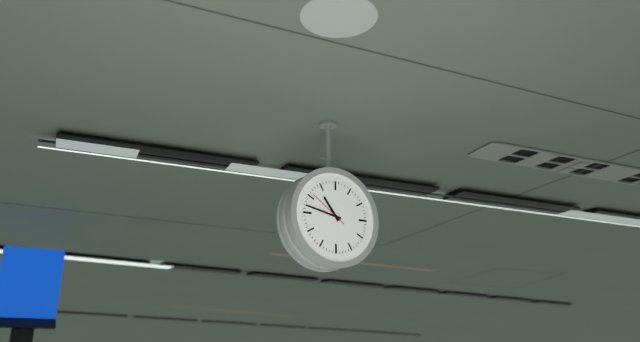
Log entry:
10h47
